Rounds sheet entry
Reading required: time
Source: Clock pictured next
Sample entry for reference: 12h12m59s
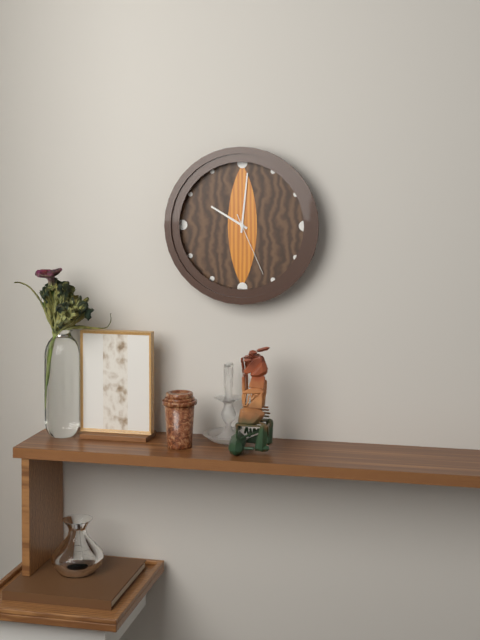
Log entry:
10h01m26s
